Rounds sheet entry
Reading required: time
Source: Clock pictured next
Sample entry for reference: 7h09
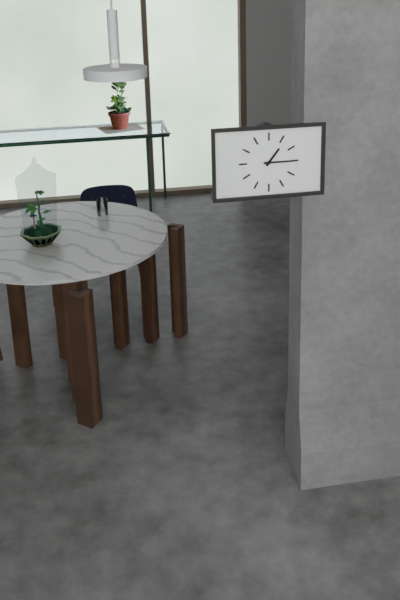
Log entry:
1h15
